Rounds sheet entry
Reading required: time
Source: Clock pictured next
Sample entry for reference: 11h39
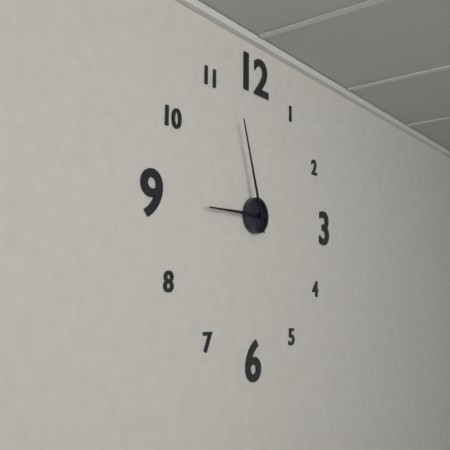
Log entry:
8h57
